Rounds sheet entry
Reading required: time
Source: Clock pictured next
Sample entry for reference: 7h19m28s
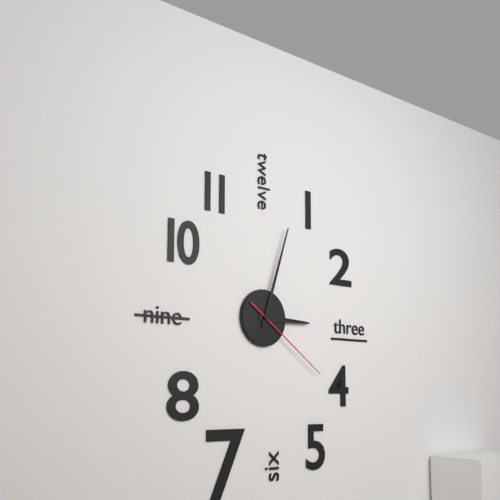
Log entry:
3h03m21s
